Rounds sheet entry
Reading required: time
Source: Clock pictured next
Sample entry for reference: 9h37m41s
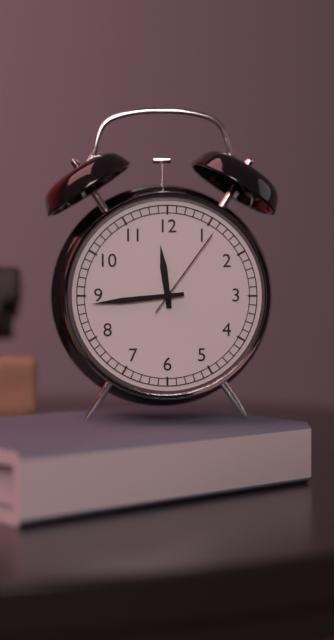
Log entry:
11h44m06s
